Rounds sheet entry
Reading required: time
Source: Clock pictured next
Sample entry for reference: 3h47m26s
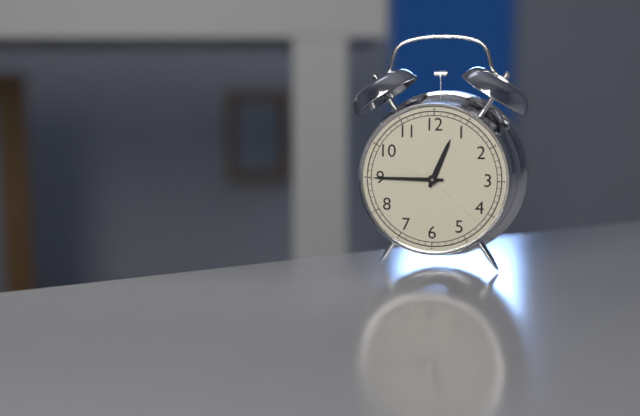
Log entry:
12h45m22s
